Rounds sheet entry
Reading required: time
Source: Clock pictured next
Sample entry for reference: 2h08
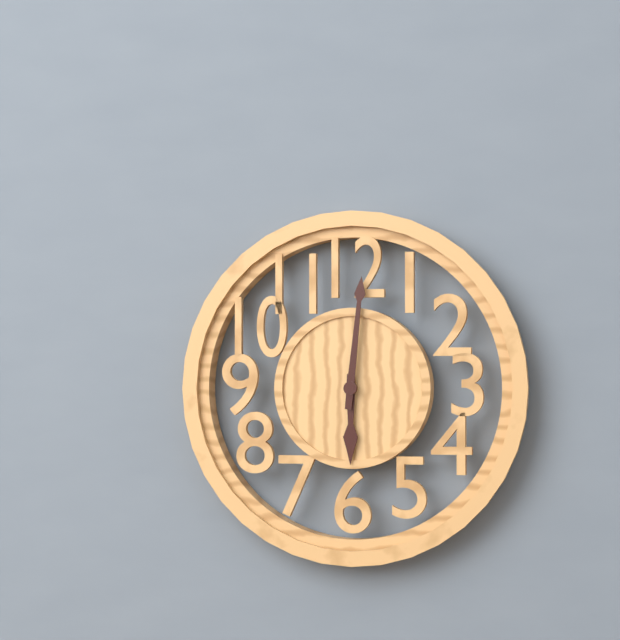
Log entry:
6h01
